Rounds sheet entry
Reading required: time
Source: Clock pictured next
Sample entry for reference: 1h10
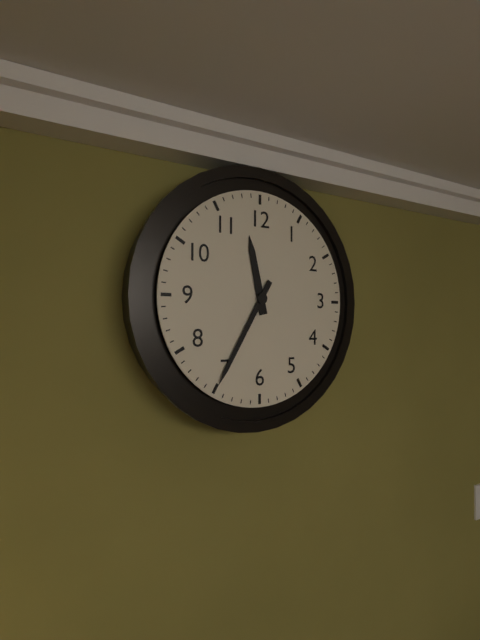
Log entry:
11h35
